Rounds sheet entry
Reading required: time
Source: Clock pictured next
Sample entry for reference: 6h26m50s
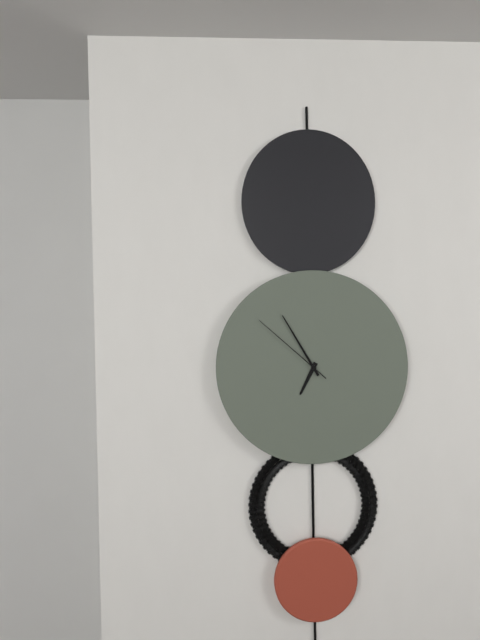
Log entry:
6h55m52s
